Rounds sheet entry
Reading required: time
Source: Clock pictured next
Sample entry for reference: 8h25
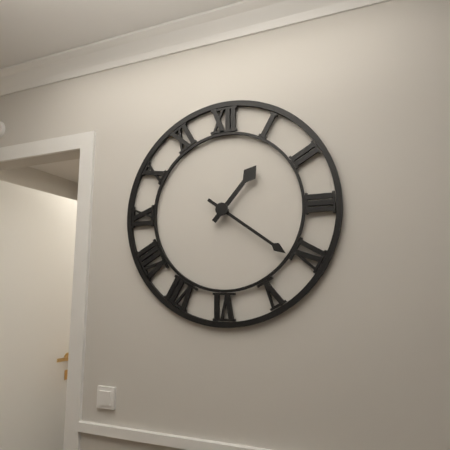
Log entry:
1h21
